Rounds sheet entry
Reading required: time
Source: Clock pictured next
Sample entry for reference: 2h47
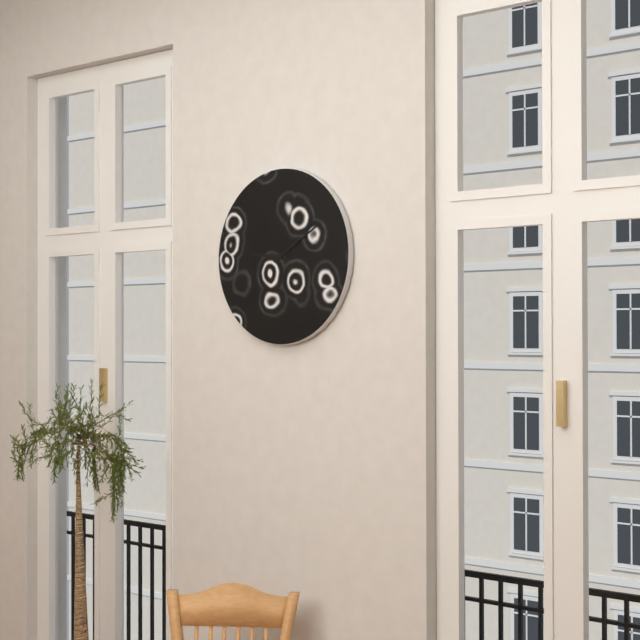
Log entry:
9h10
